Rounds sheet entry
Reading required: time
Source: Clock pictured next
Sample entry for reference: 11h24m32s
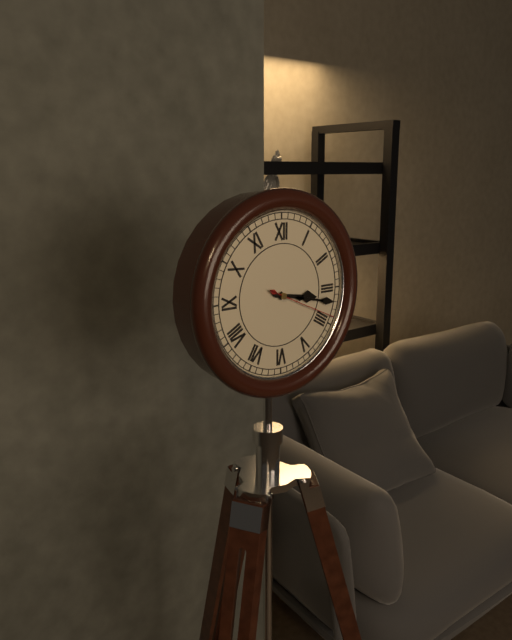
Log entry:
3h17m19s
